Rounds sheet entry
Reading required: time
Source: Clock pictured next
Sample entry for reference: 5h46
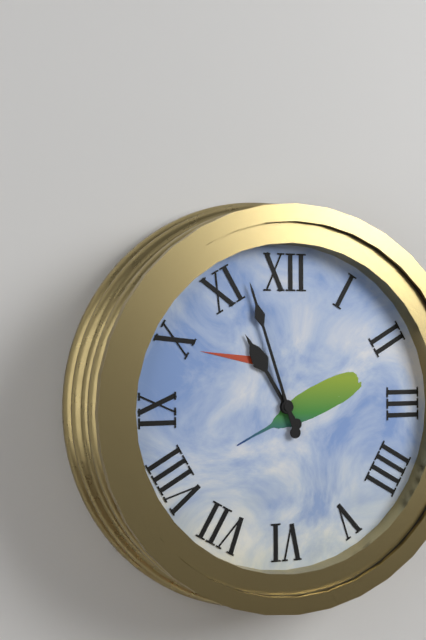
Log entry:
10h57
